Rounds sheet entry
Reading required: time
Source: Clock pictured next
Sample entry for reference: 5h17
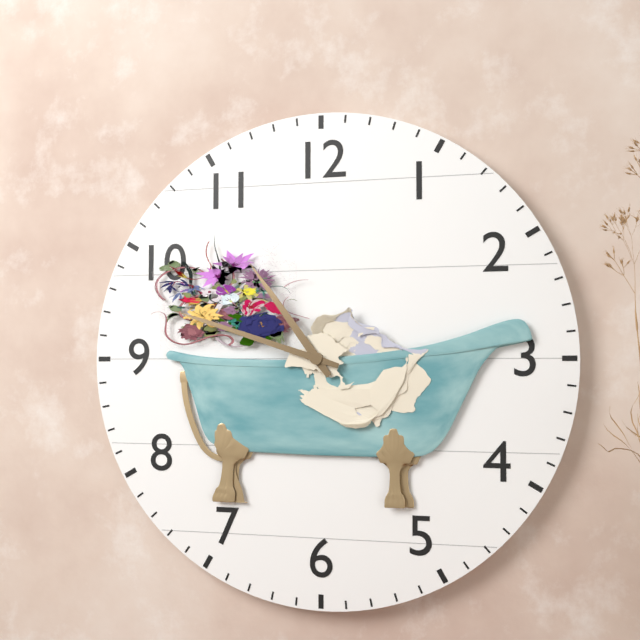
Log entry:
10h48
